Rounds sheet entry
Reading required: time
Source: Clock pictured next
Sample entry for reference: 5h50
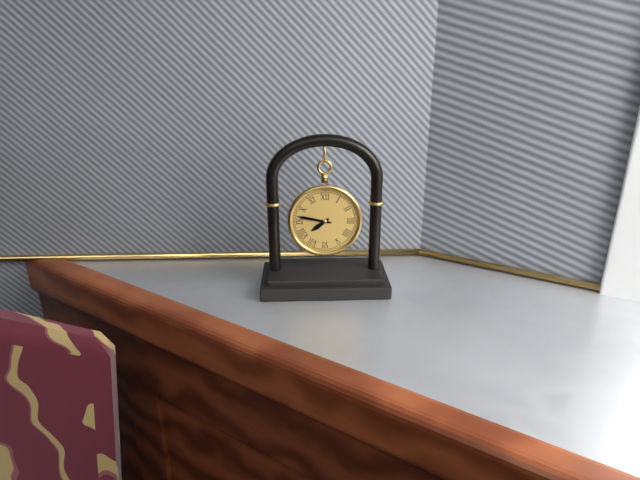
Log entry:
7h47
